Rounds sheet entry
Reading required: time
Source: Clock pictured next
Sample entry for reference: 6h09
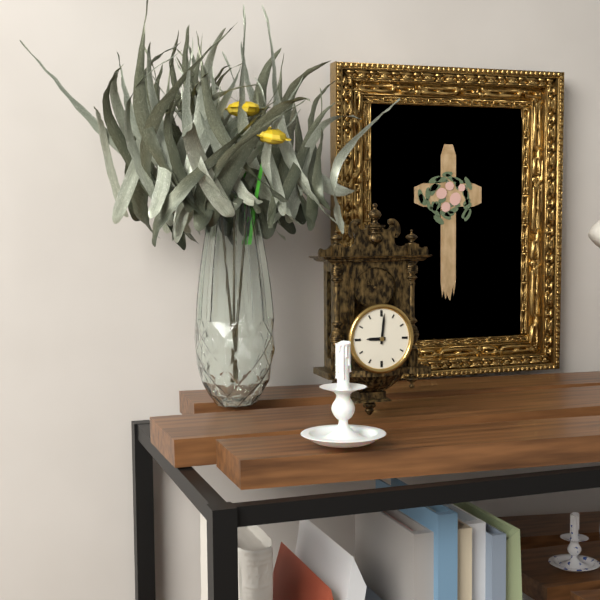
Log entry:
9h01
